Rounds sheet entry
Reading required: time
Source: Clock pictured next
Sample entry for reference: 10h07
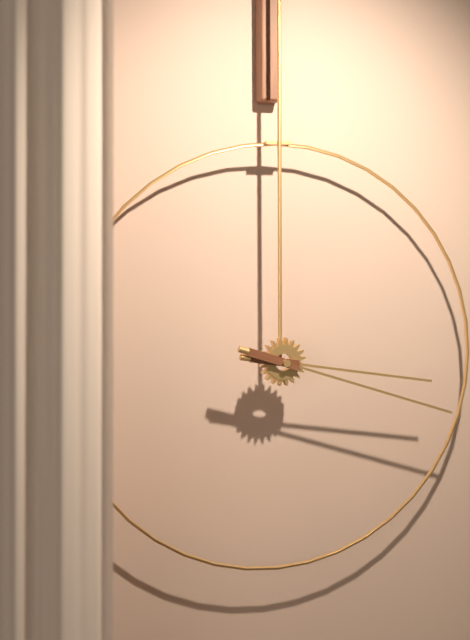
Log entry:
3h18
